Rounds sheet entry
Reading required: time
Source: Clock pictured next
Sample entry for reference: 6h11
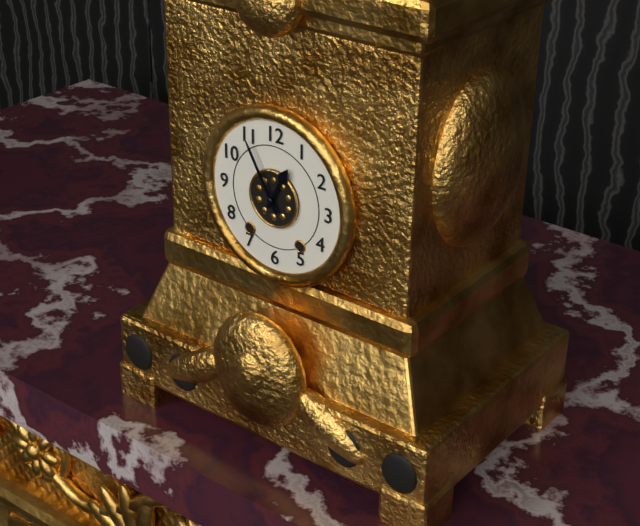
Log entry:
12h55
